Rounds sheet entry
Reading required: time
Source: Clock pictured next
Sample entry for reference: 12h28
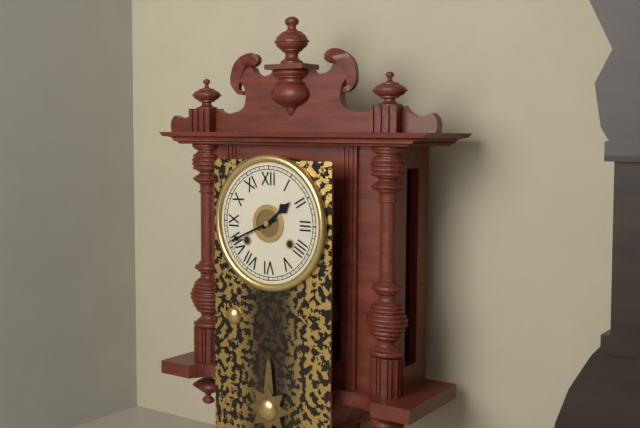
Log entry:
1h41
